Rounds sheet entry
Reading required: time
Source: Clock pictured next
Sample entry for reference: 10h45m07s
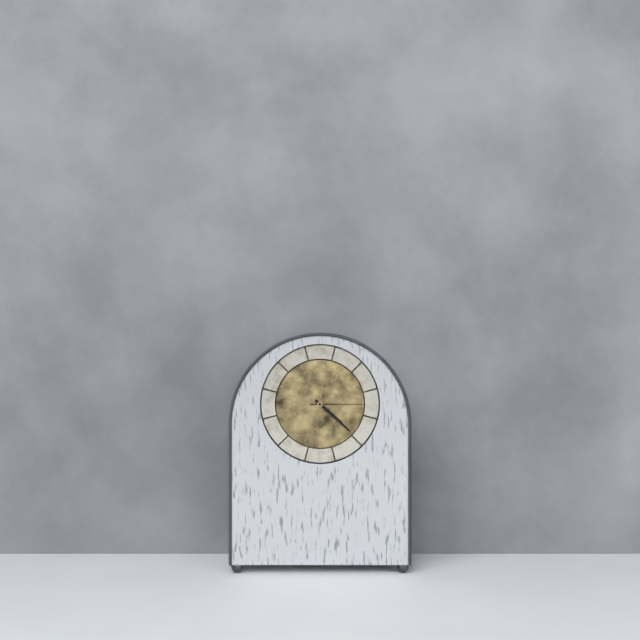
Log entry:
4h22m15s
